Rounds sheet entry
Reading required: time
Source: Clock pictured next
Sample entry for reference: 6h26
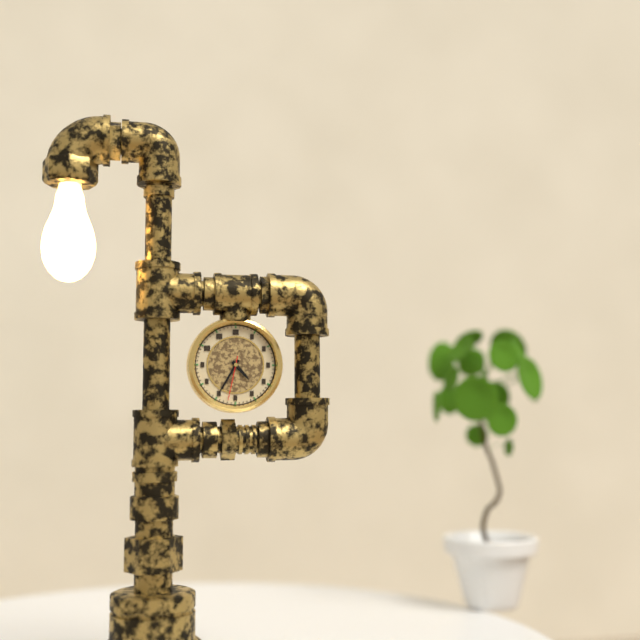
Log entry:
4h35
